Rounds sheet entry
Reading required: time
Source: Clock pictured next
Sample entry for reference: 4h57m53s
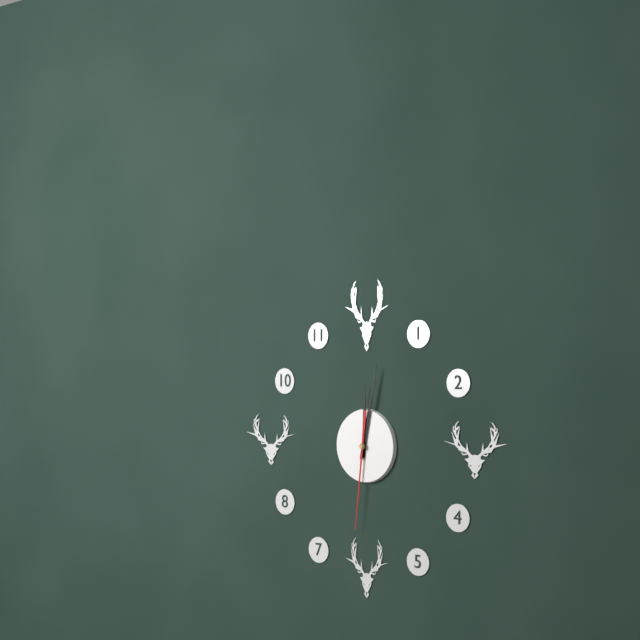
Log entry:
12h02m31s
